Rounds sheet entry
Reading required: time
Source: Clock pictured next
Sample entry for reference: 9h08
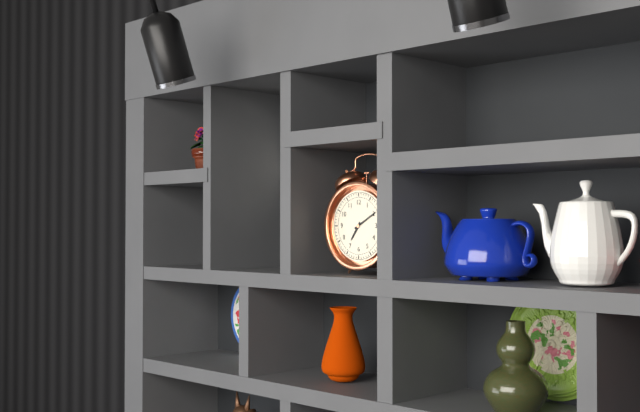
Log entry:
7h10
